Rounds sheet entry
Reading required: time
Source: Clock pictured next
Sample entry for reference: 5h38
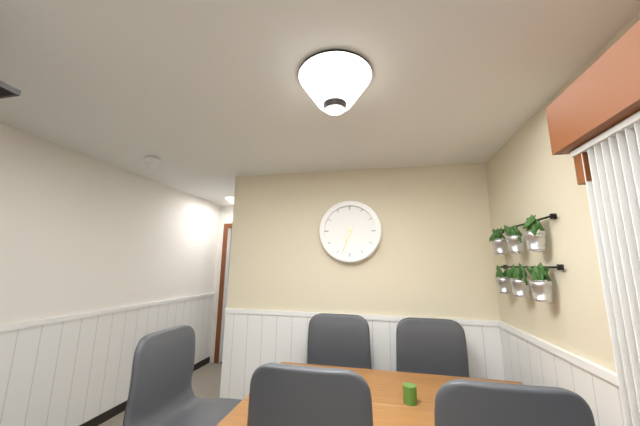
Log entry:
6h33
